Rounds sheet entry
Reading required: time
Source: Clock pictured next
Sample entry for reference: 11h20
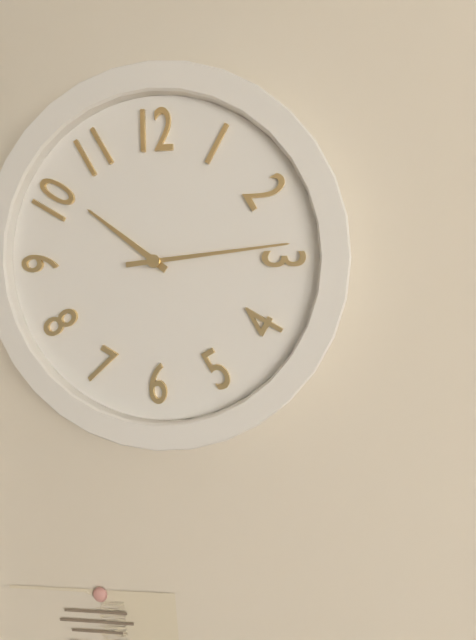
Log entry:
10h14
